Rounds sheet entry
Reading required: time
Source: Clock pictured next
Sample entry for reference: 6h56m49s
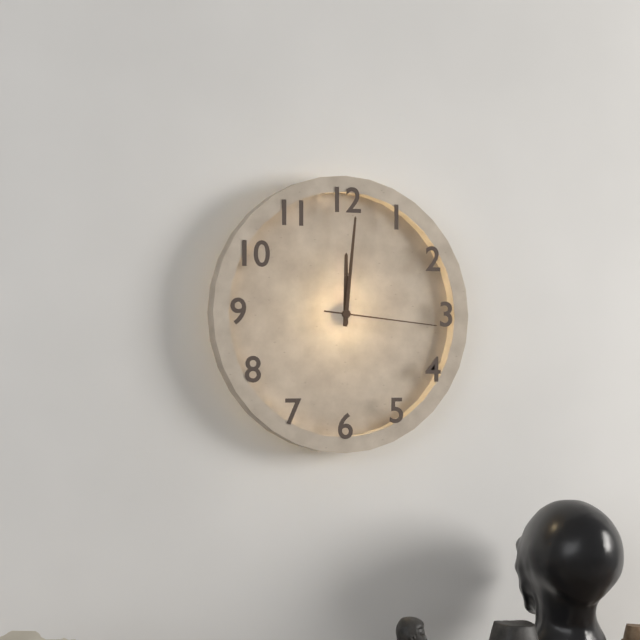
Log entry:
12h01m16s
